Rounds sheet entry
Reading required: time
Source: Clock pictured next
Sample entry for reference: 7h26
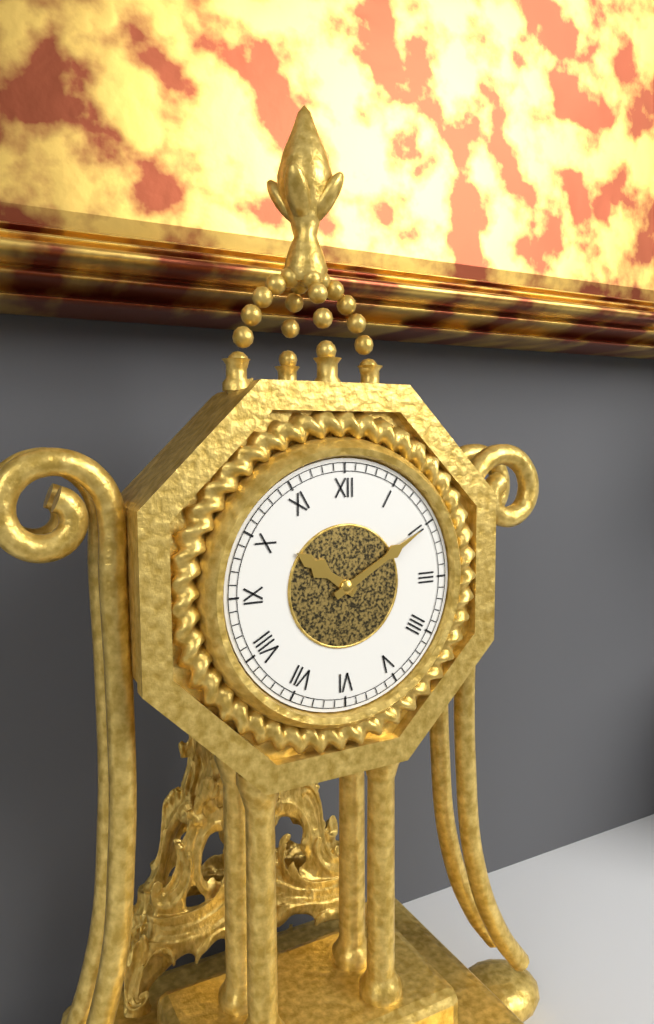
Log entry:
10h10
